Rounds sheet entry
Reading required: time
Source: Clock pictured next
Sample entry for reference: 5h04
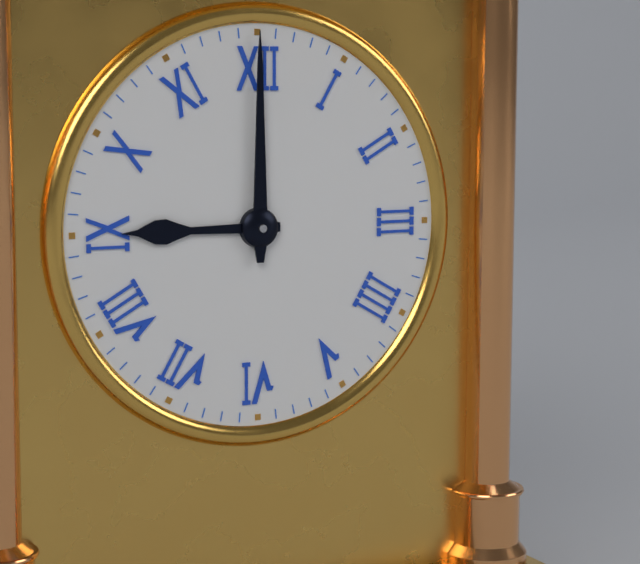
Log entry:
9h00
